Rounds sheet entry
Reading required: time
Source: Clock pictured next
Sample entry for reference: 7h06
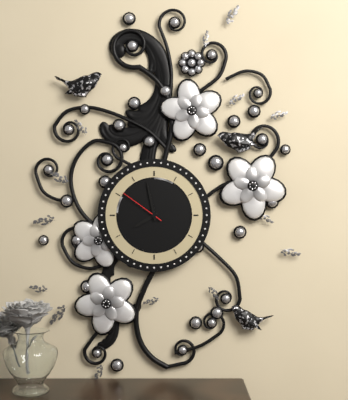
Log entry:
7h58
